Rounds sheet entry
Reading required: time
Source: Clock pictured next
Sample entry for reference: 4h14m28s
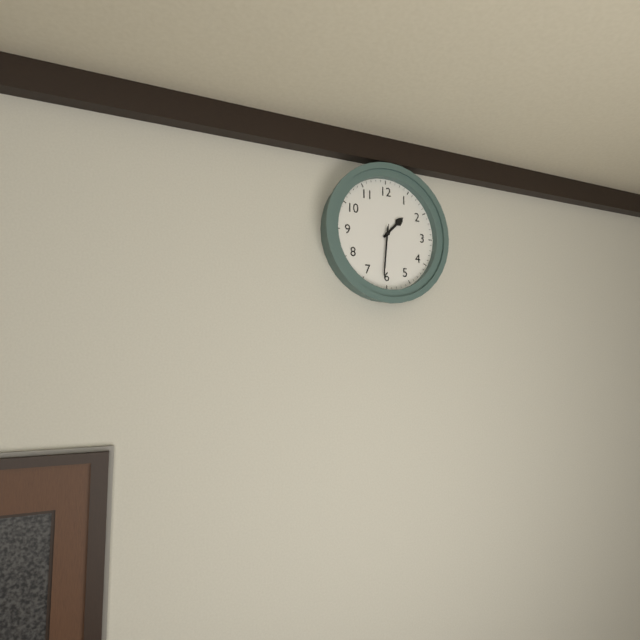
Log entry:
1h31m31s
